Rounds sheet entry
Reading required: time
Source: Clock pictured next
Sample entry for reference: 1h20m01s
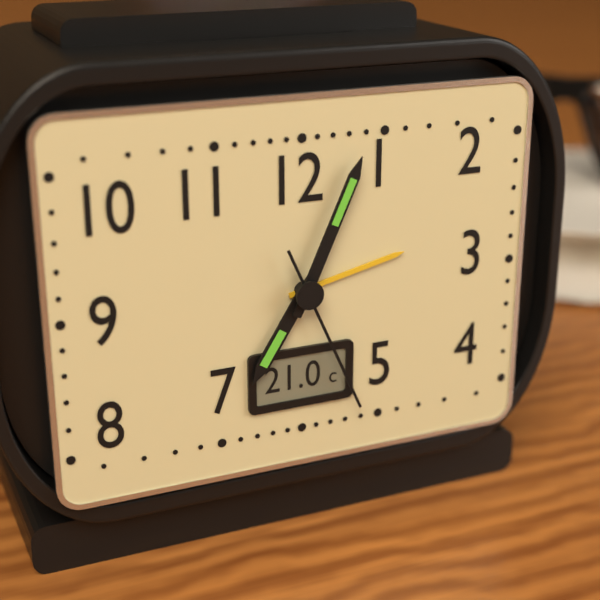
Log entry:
7h04m26s
